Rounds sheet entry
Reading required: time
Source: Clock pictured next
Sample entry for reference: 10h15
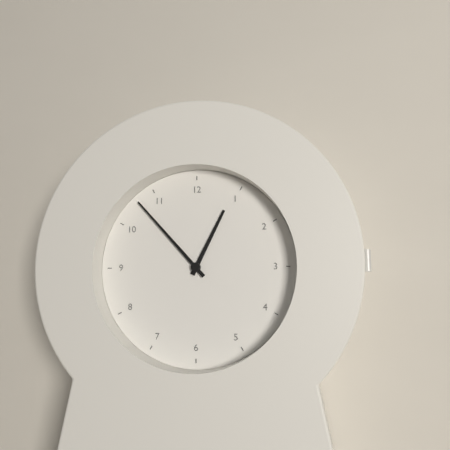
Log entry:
12h53
